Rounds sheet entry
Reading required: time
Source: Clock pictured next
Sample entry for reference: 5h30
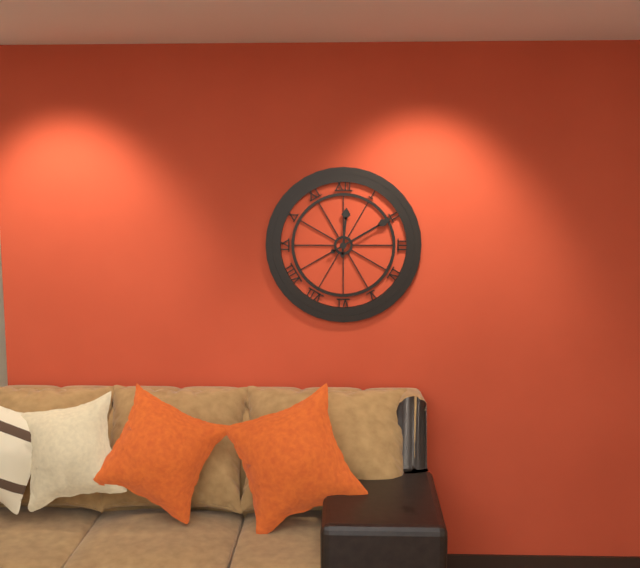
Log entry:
12h10
